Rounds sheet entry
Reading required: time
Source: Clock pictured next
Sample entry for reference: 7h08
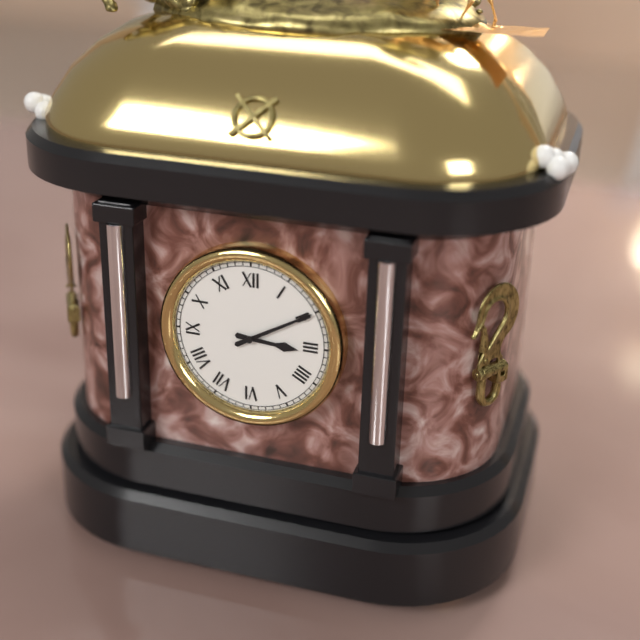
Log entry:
3h10
